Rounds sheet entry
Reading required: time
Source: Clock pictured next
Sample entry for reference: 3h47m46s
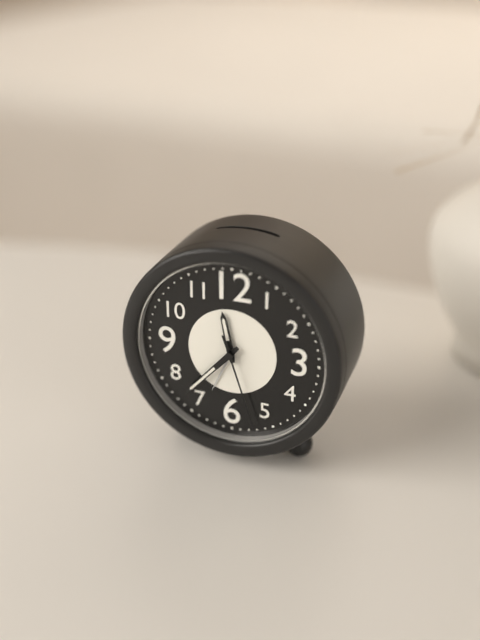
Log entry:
11h37m27s
